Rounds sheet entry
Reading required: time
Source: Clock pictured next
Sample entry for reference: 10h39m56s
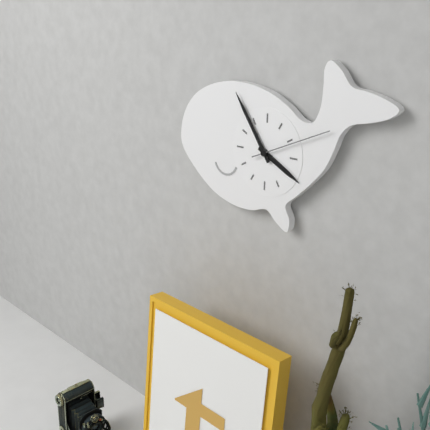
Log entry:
3h54m11s
